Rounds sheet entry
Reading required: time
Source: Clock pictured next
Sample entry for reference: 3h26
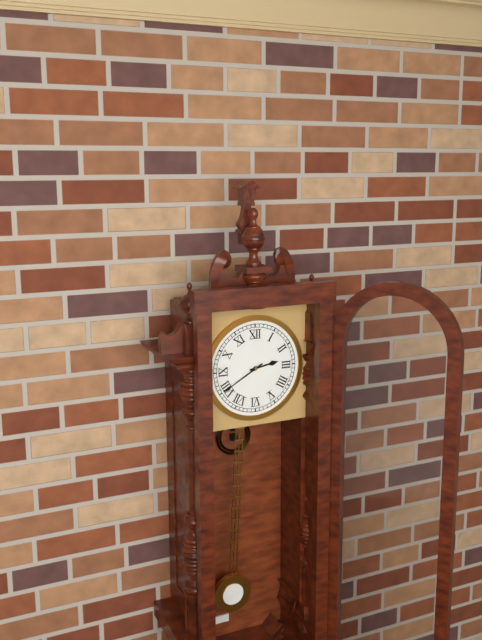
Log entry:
2h40
